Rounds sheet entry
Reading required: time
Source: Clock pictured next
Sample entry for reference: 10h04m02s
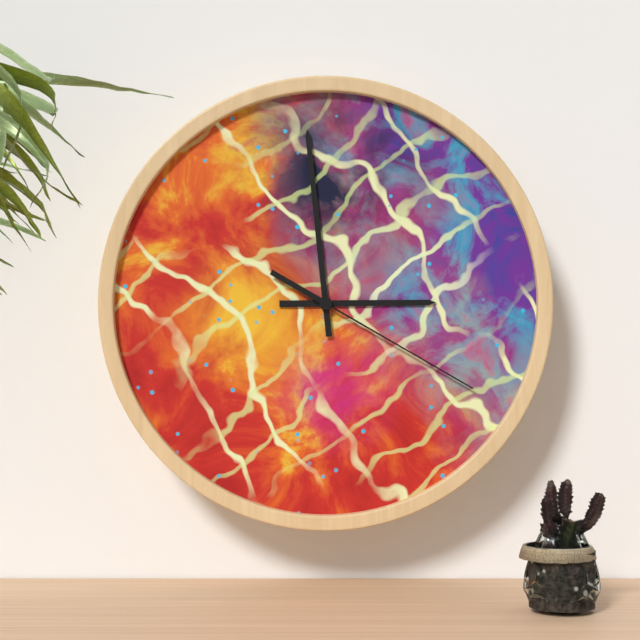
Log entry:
2h59m20s
